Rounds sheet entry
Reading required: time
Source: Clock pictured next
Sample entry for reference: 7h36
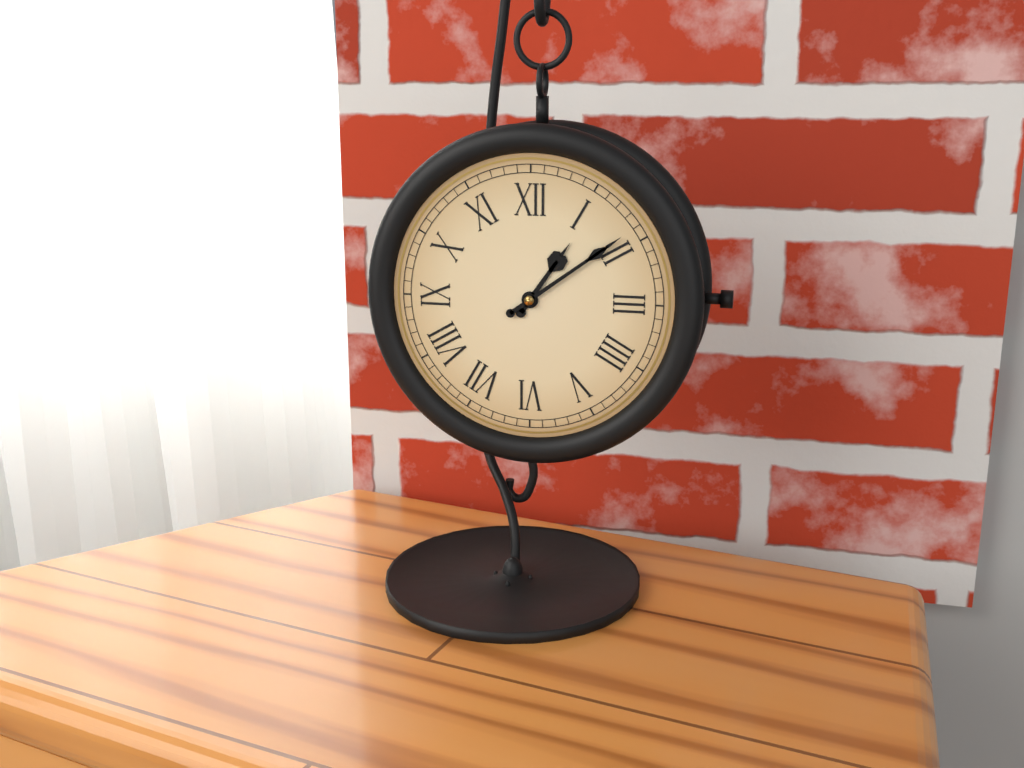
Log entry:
1h09
